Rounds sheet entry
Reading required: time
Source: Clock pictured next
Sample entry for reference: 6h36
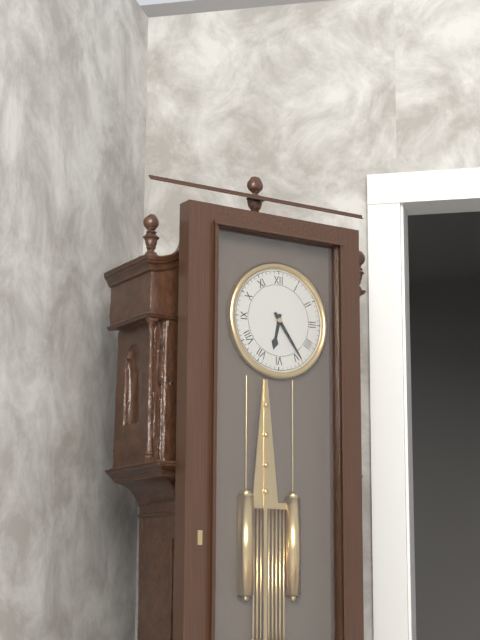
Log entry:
6h24
